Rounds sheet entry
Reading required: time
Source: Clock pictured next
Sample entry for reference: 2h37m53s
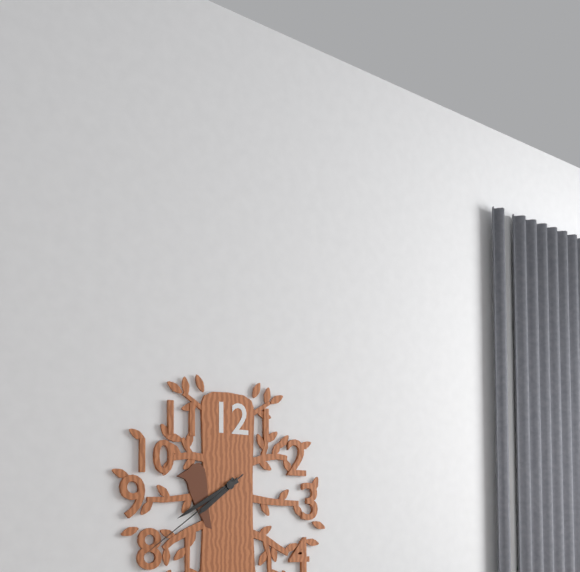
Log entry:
7h40m39s
